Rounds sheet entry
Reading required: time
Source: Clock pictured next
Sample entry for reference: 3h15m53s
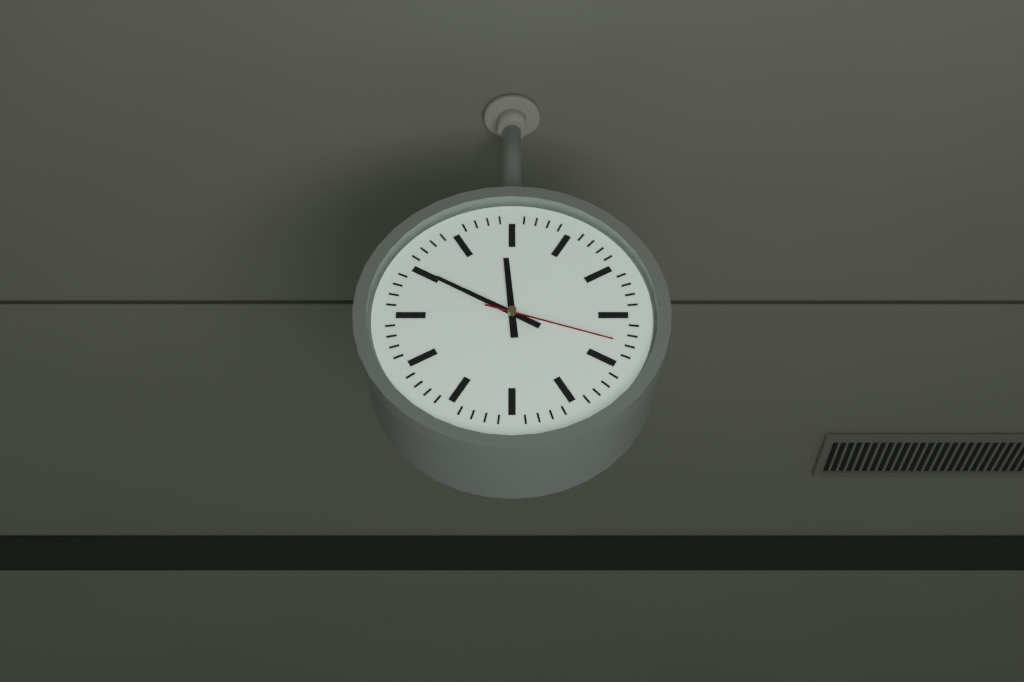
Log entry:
11h50m18s
